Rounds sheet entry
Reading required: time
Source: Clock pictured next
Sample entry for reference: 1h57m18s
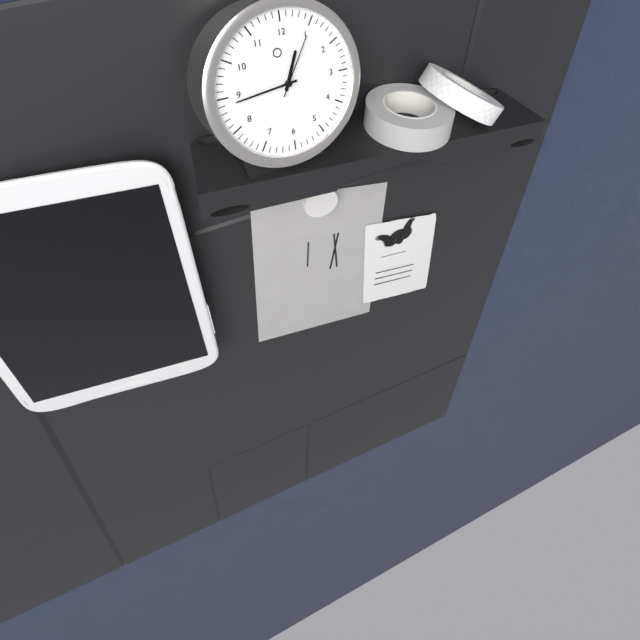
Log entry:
12h44m05s
